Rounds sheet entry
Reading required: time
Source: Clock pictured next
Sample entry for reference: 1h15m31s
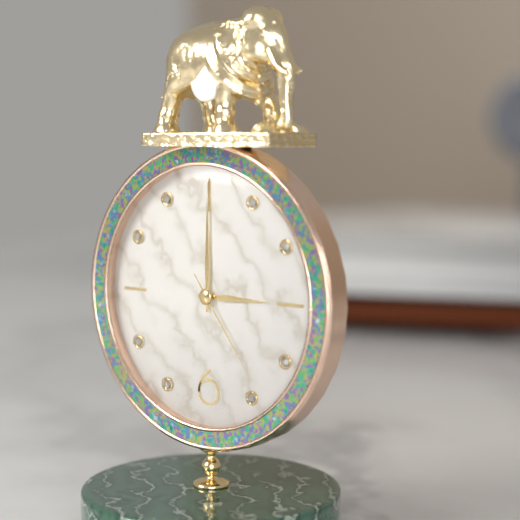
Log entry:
3h00m24s
